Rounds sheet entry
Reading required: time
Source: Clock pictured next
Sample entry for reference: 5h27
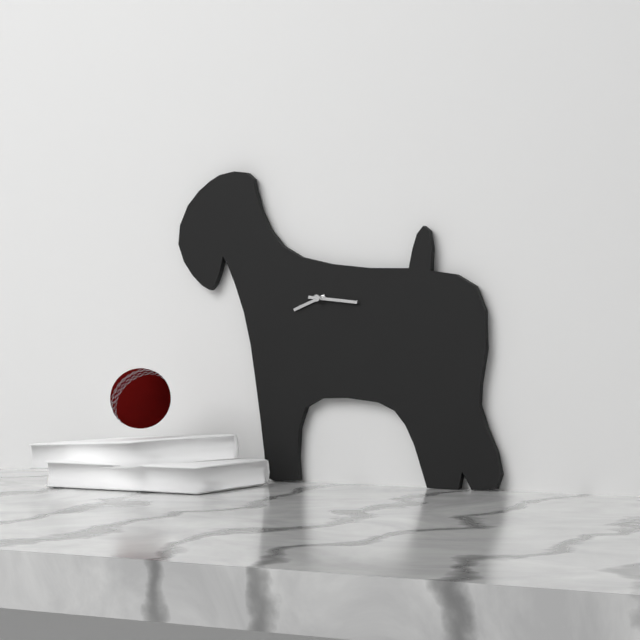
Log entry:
8h16
